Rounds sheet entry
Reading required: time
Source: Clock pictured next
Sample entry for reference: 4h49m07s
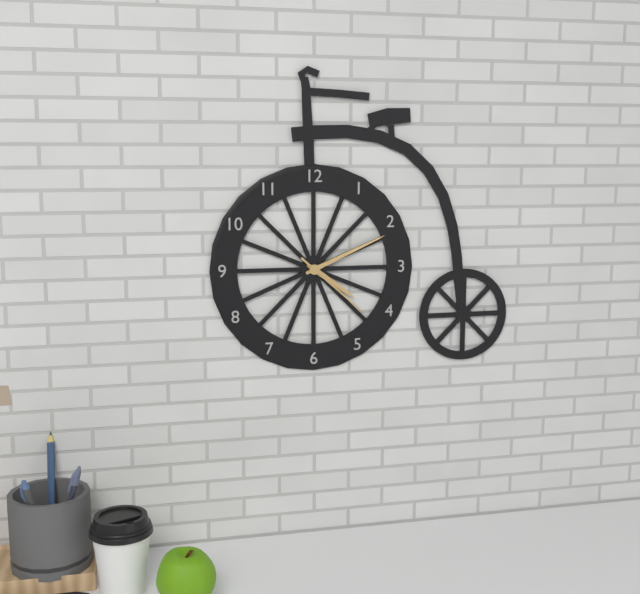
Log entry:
4h11m22s
